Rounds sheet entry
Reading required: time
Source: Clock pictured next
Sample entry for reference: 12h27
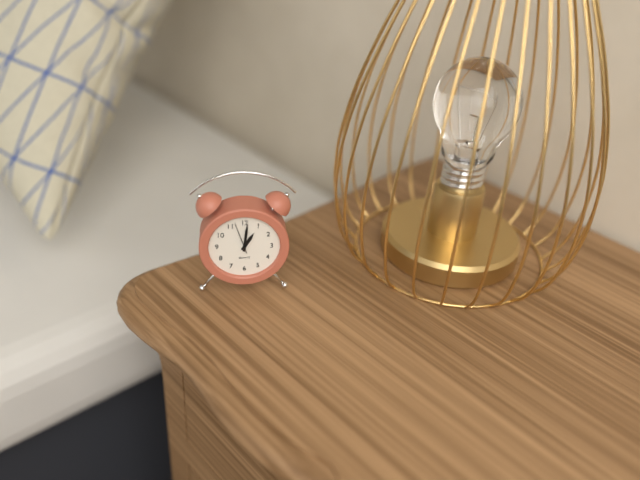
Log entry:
1h01
